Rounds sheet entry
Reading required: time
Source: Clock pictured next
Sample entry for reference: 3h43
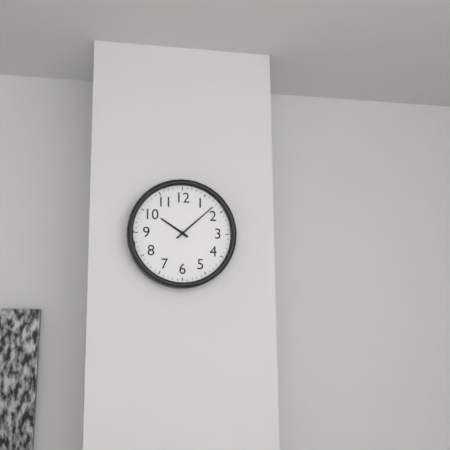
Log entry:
10h08
